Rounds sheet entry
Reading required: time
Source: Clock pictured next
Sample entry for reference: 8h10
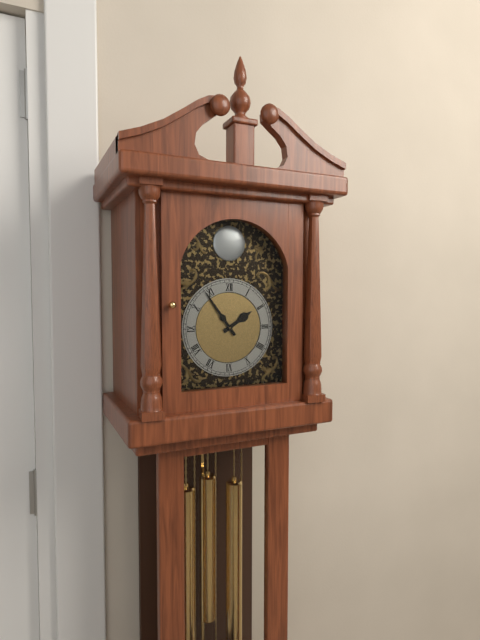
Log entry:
1h54
